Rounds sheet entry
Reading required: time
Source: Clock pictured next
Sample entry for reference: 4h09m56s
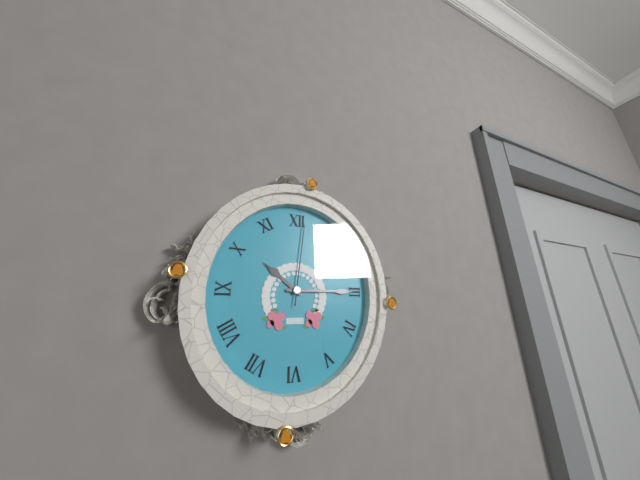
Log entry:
10h15m01s
